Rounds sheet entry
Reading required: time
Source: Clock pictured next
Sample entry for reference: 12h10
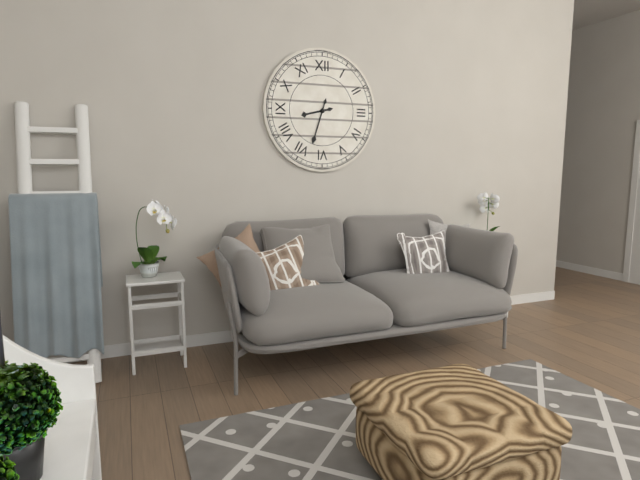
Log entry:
8h33
